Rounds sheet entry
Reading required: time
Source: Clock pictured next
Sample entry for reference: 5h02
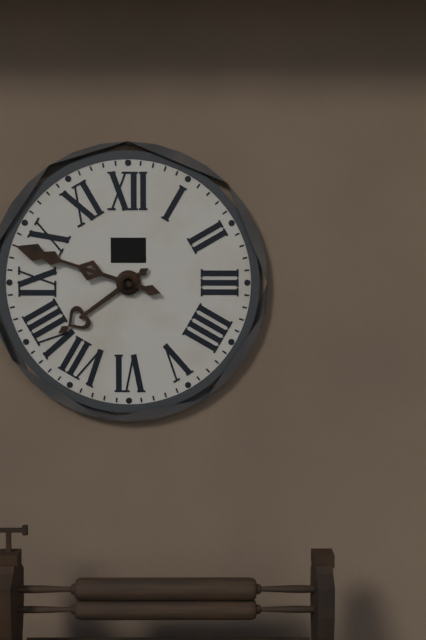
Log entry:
7h48
